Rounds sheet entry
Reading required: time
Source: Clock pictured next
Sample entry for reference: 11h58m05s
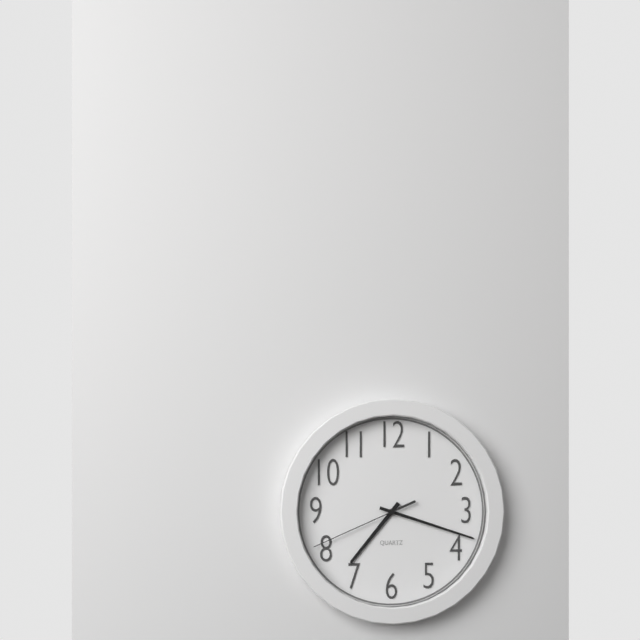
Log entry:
7h18m41s
